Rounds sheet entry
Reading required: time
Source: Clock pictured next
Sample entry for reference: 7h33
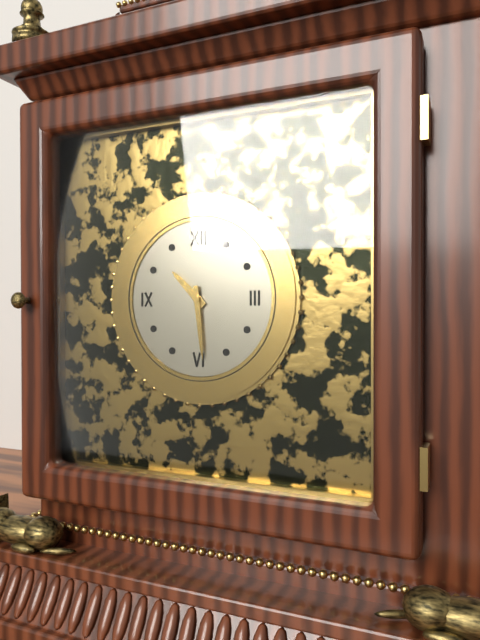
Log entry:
10h29
